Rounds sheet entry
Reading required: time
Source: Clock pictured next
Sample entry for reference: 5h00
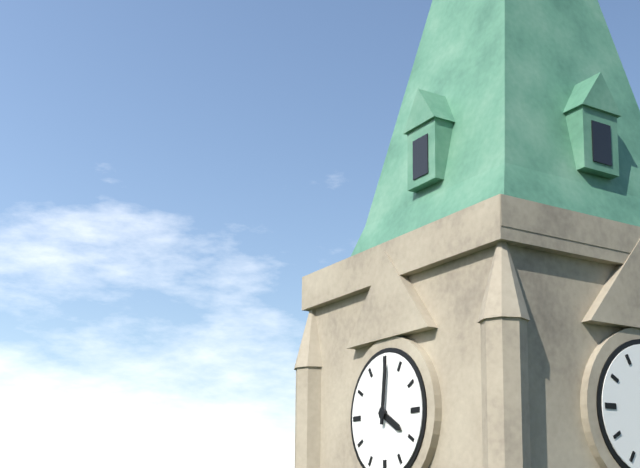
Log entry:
4h01
